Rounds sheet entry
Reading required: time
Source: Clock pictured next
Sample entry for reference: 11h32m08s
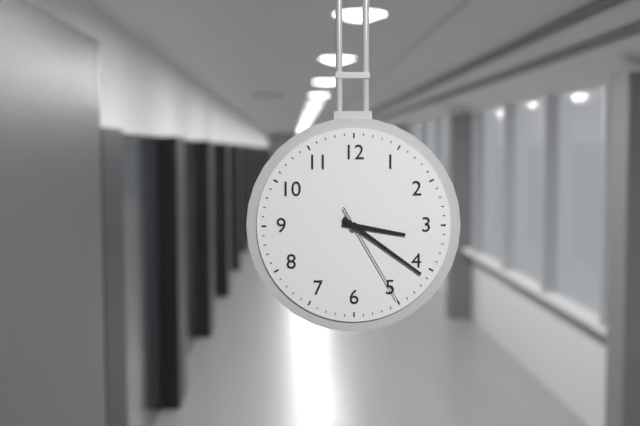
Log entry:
3h21m25s
